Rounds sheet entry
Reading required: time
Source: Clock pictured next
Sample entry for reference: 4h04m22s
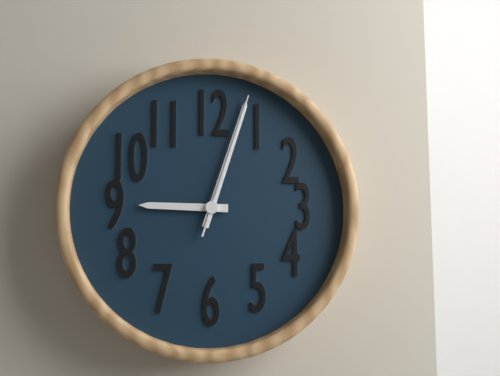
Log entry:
9h03m03s
